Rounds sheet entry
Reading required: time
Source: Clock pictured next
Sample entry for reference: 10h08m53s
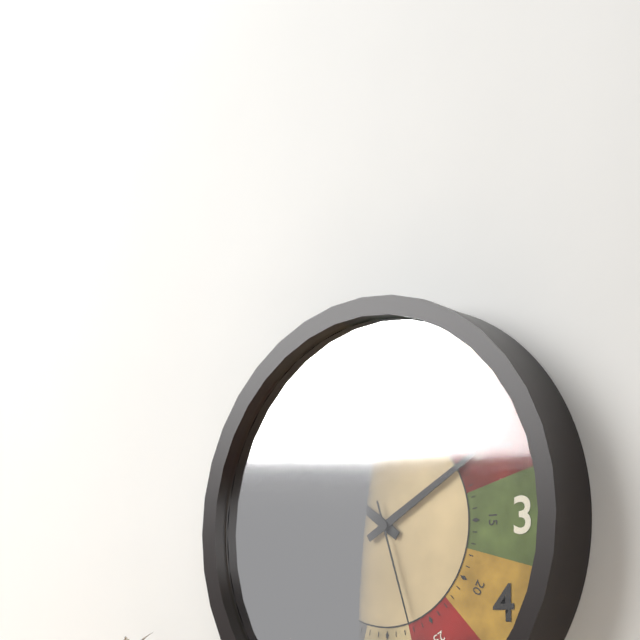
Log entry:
10h10m27s
